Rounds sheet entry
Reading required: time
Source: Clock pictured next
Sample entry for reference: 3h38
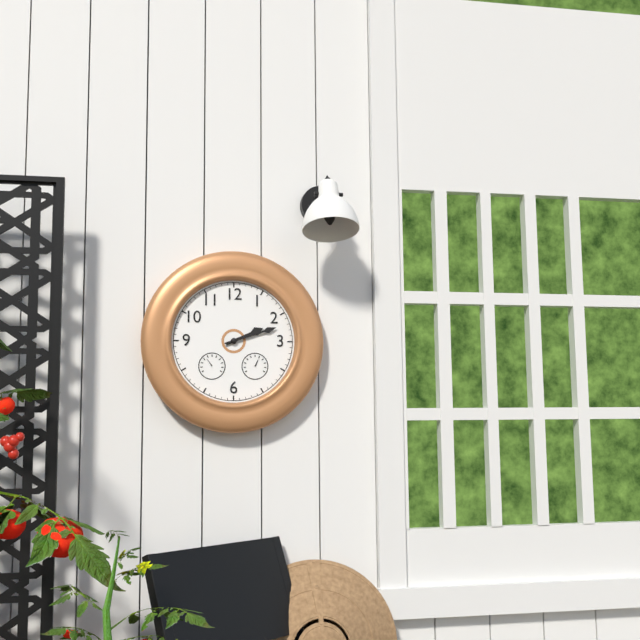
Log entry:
2h12
